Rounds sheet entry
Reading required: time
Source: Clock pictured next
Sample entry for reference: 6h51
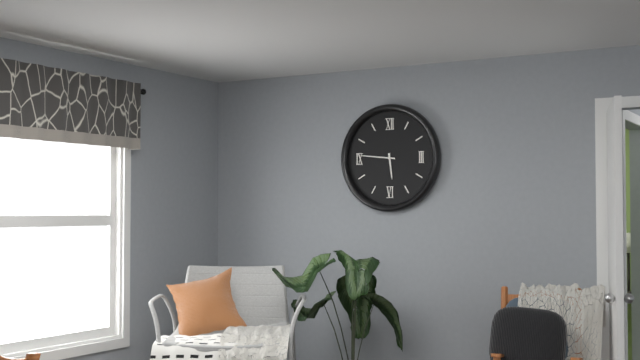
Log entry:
5h46
